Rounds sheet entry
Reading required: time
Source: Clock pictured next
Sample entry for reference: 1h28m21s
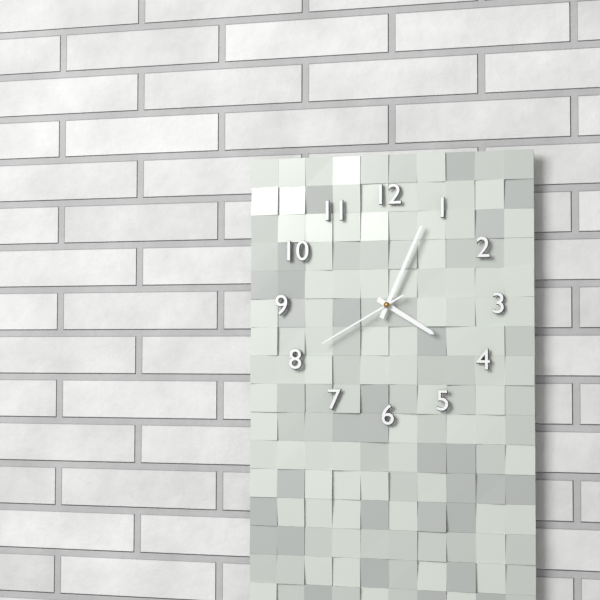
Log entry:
4h04m40s
